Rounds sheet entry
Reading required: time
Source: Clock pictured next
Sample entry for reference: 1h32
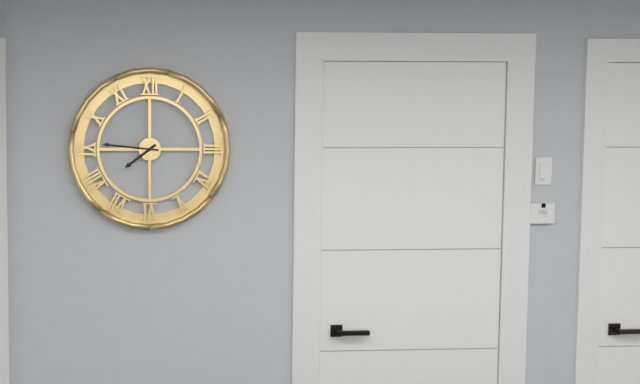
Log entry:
7h46
